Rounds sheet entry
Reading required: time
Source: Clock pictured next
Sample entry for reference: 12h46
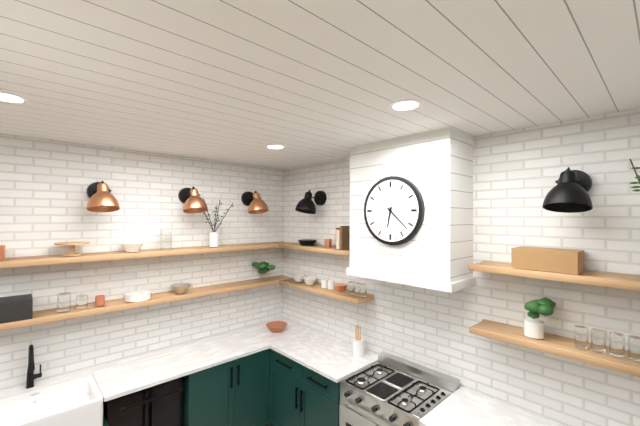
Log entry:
6h22
